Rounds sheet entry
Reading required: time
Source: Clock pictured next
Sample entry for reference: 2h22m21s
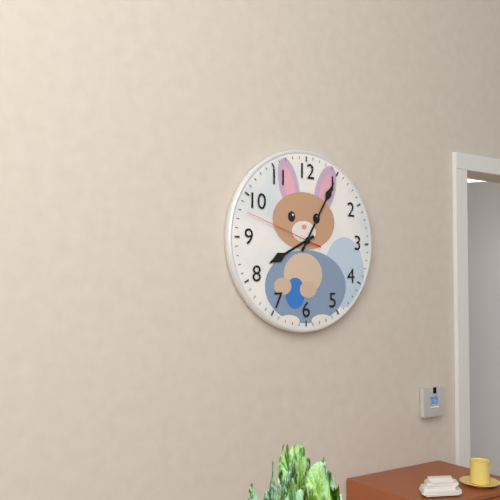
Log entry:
8h05m48s
